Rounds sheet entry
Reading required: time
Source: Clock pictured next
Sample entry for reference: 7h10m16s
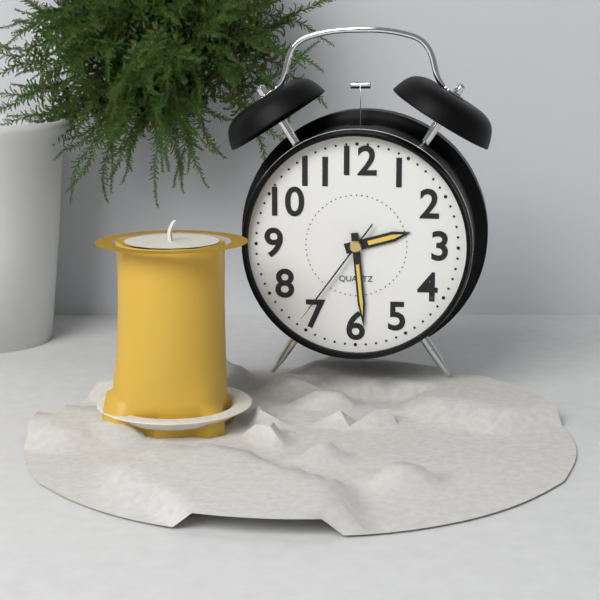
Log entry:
2h29m36s
